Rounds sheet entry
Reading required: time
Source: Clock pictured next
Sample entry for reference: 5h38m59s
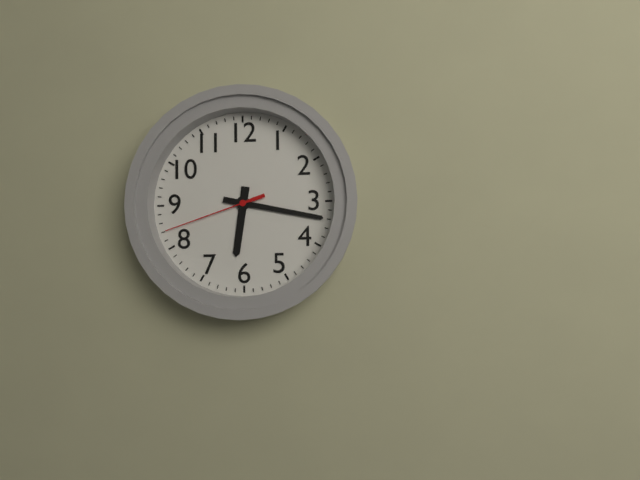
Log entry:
6h17m42s
